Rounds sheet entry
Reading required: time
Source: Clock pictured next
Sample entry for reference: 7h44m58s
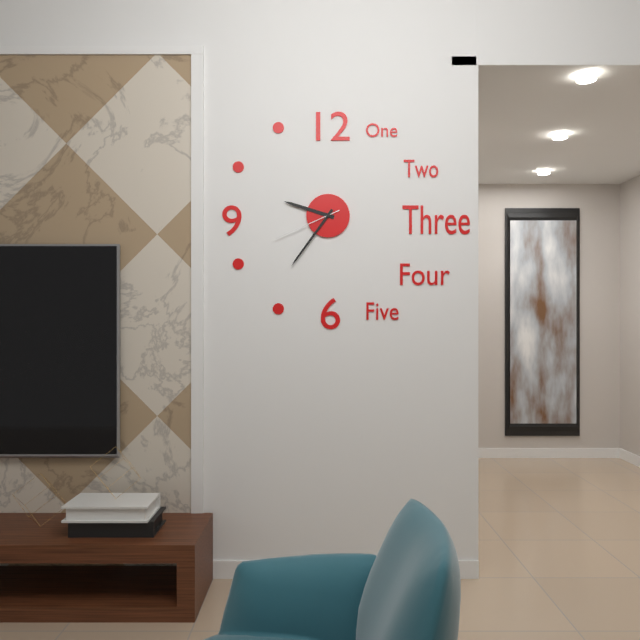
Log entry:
9h36m41s
